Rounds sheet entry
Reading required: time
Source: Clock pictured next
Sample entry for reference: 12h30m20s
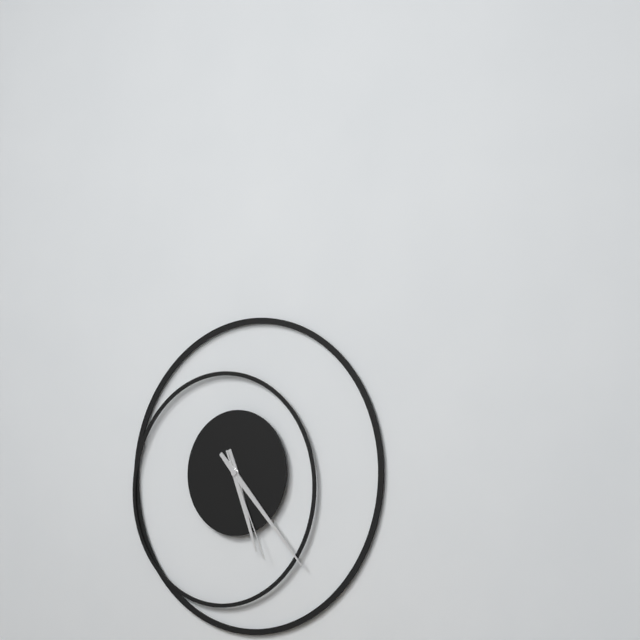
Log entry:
5h23m26s
